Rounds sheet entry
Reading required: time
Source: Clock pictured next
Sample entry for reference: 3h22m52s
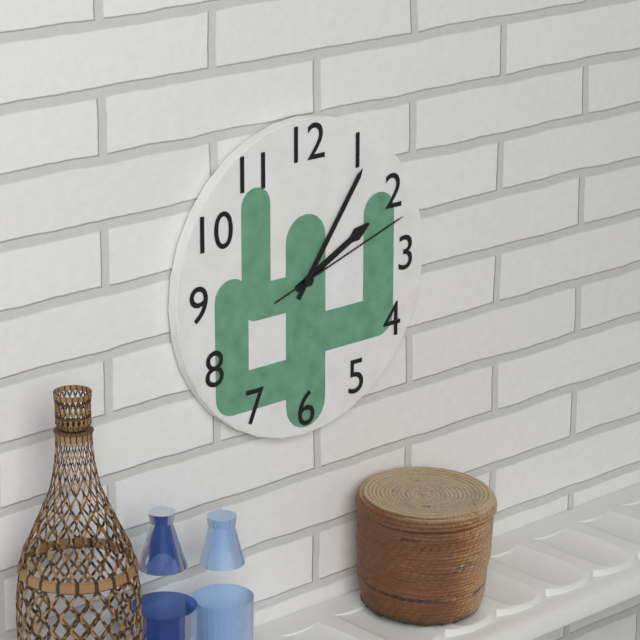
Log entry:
2h06m12s
